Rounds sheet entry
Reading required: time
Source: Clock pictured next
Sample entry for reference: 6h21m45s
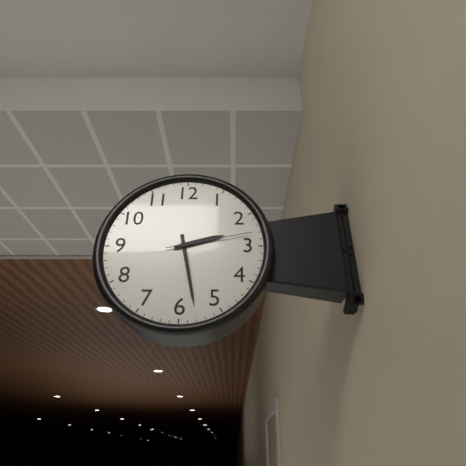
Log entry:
2h28m13s
